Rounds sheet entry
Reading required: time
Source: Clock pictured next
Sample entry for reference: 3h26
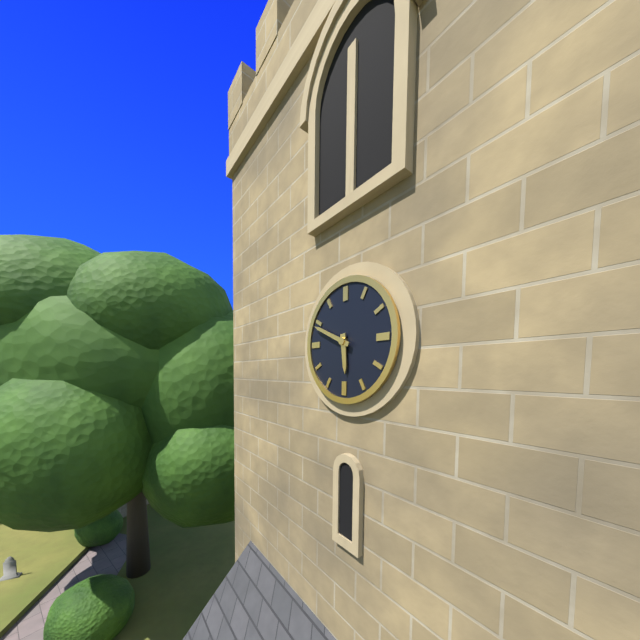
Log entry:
5h49
